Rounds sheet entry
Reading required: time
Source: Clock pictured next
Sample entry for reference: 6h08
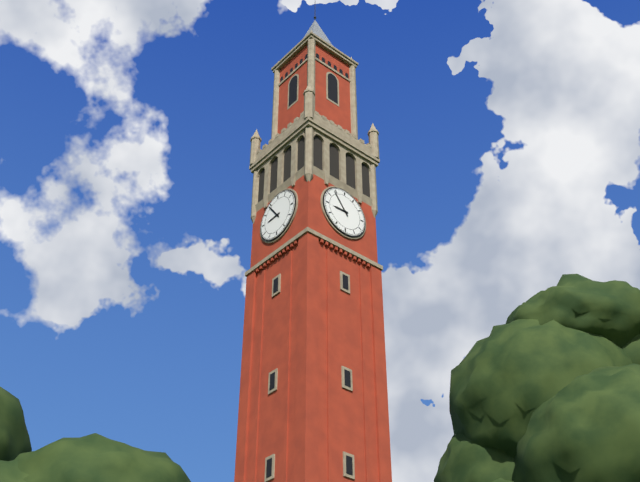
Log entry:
8h54
